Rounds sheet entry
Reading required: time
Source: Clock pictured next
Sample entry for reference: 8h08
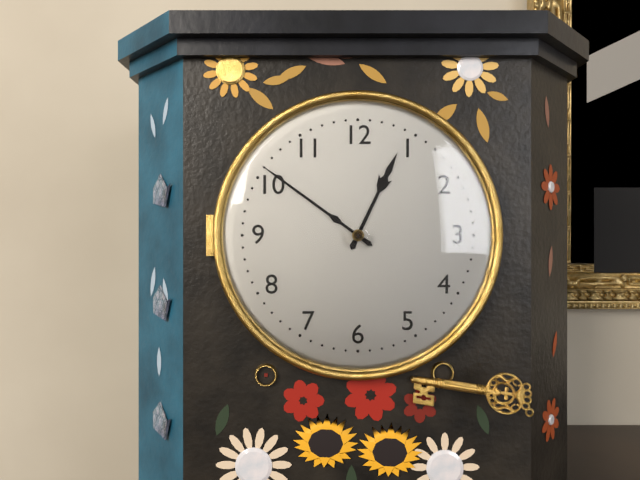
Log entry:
12h51
